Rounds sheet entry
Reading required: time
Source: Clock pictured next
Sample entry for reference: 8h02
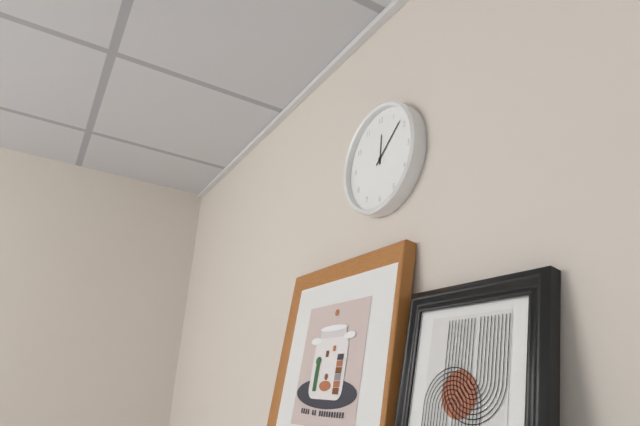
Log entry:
12h08
